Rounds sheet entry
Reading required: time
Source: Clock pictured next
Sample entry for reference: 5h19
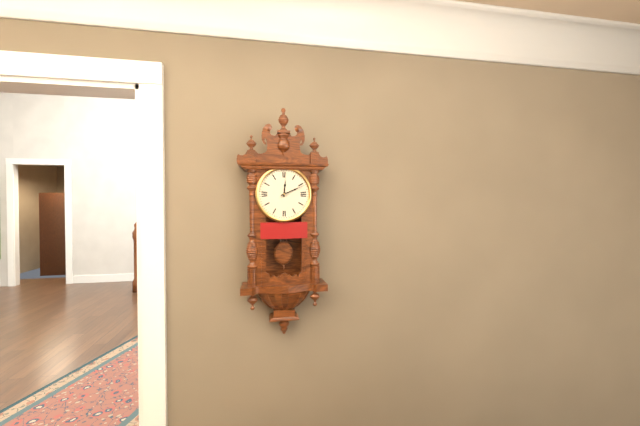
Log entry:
12h11
